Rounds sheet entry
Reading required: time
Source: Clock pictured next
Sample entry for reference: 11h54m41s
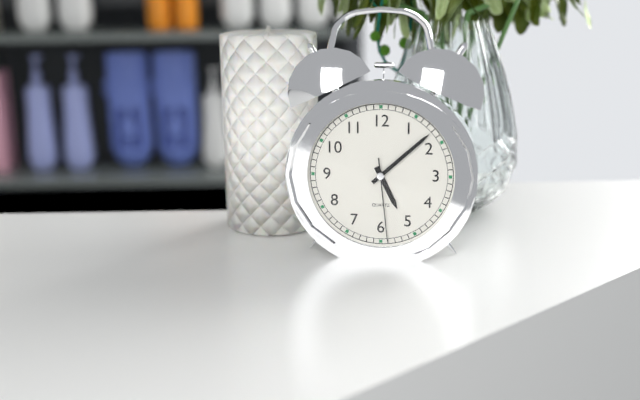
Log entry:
5h08m29s
